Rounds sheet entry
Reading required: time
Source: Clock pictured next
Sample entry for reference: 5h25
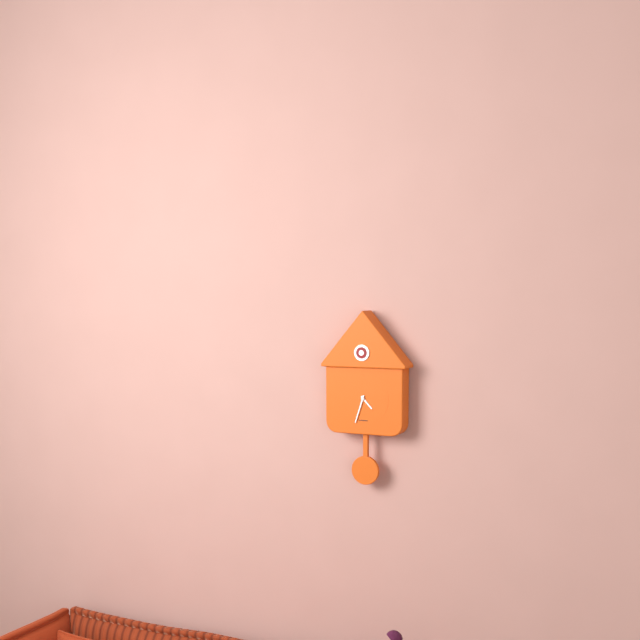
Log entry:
4h33
